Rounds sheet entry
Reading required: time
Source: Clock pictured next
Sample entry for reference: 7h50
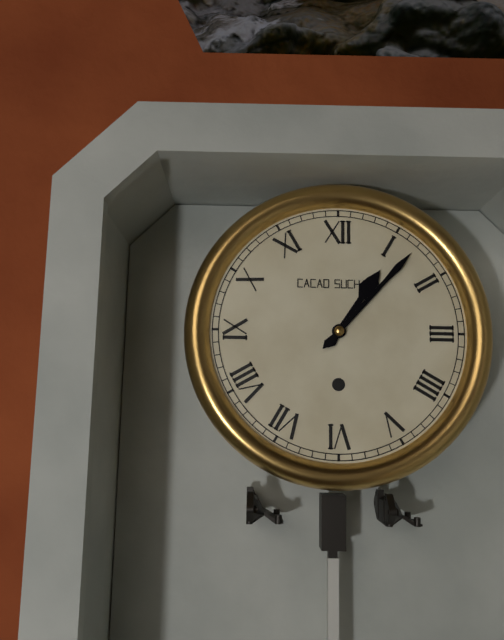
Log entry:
1h07
